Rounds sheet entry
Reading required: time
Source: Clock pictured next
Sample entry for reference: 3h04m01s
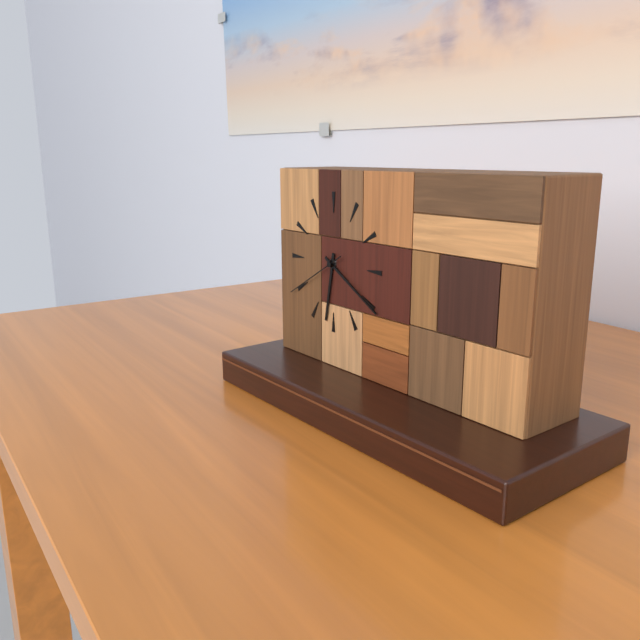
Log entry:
6h20m40s
